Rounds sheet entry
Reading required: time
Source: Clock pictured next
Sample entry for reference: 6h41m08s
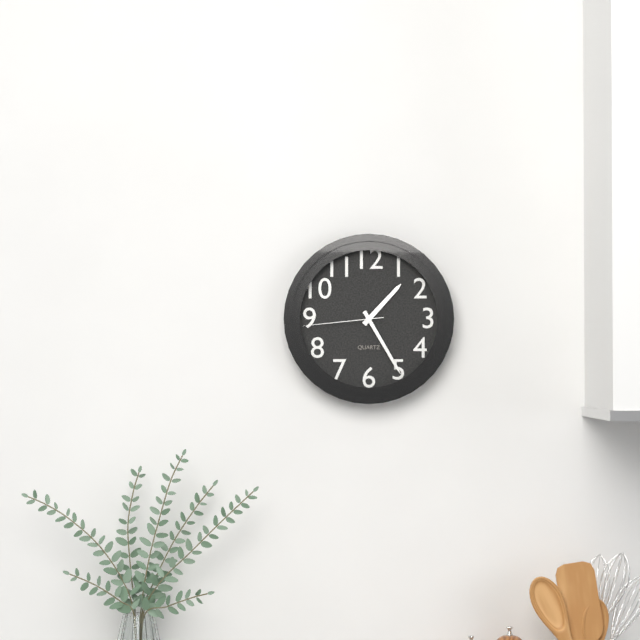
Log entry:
1h25m44s
